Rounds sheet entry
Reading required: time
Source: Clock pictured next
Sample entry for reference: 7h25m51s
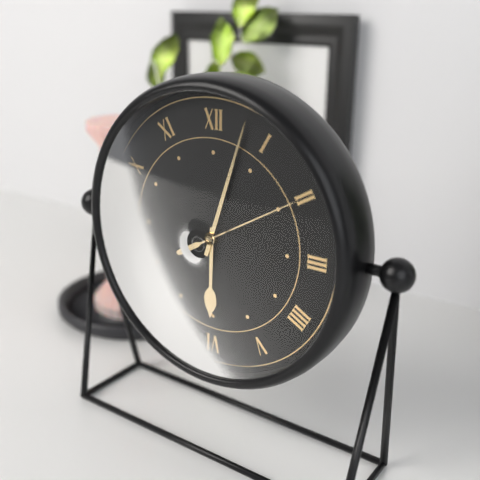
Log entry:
6h03m10s
